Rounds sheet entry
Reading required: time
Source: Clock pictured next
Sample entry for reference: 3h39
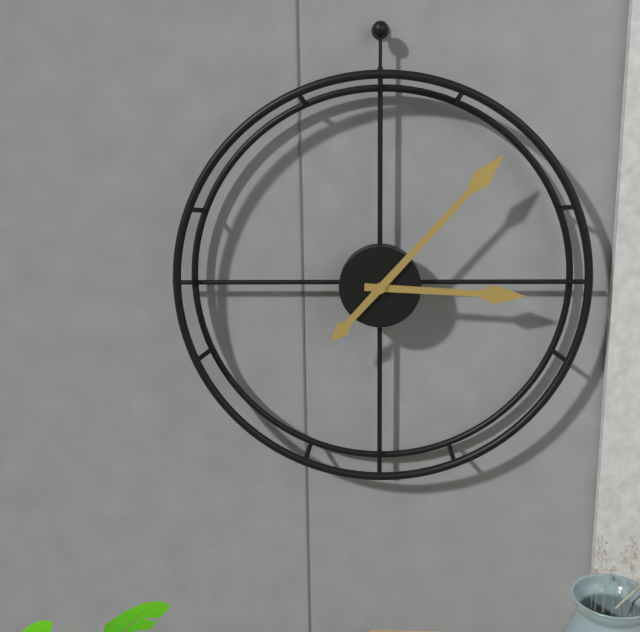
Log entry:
3h07
